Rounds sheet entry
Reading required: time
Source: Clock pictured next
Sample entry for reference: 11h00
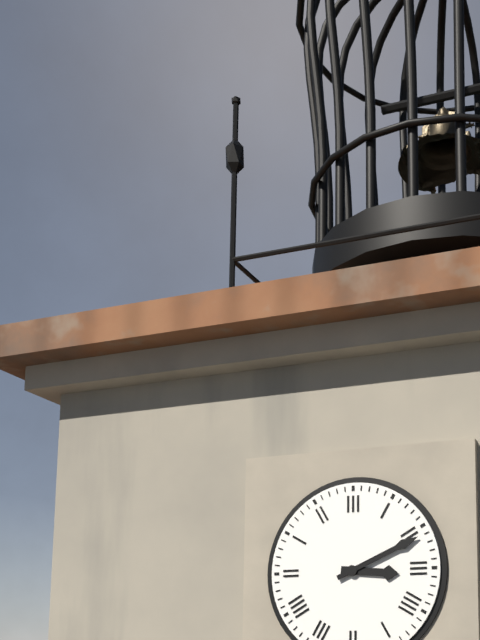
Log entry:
3h11
